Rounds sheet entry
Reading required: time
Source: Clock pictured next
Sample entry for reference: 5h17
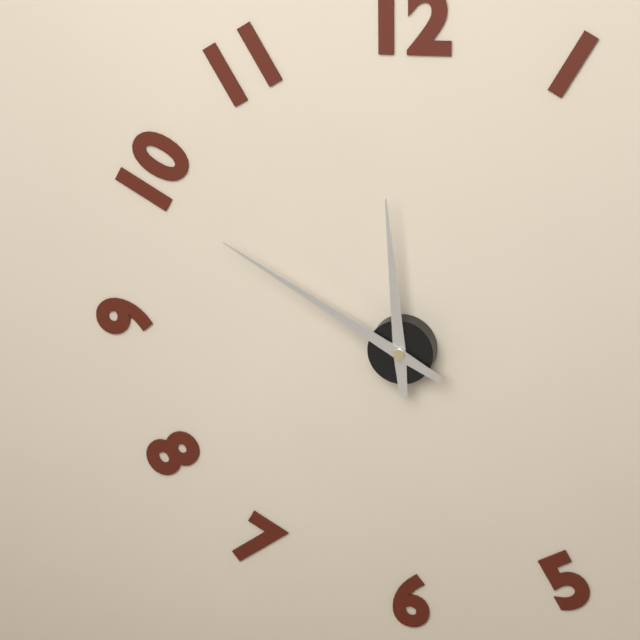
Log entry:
11h50
